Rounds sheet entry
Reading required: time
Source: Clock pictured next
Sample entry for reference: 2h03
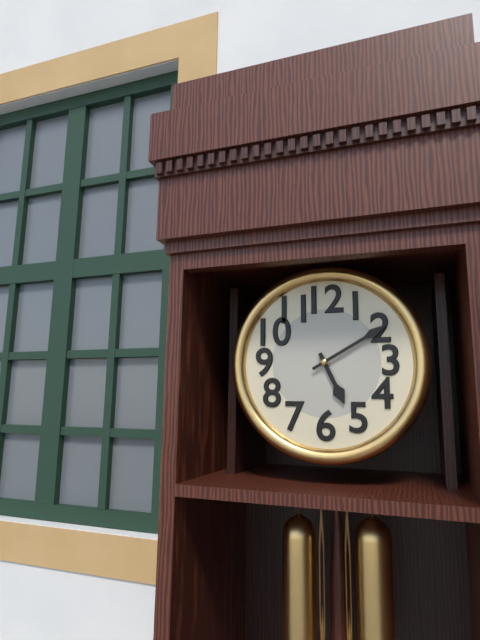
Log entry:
5h10
